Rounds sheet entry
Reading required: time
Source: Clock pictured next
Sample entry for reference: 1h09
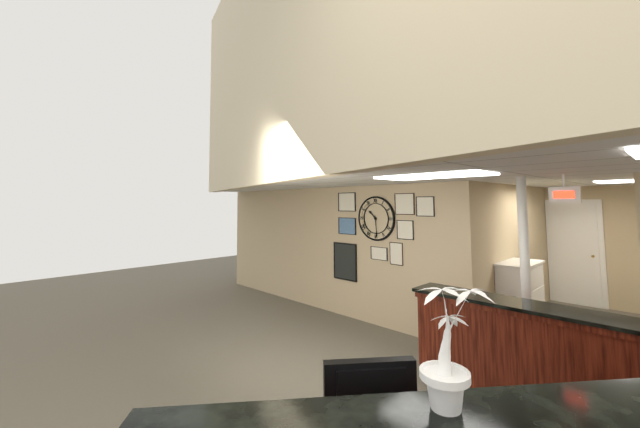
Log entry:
10h29
